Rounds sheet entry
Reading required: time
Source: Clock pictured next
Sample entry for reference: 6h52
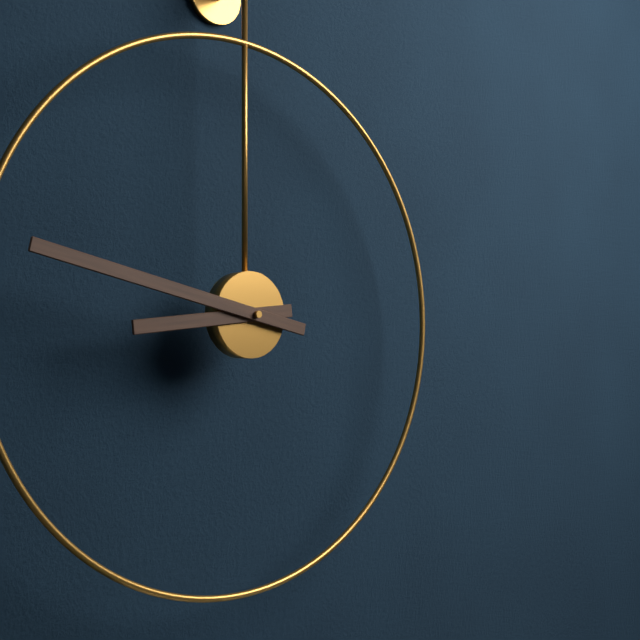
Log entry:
8h47
